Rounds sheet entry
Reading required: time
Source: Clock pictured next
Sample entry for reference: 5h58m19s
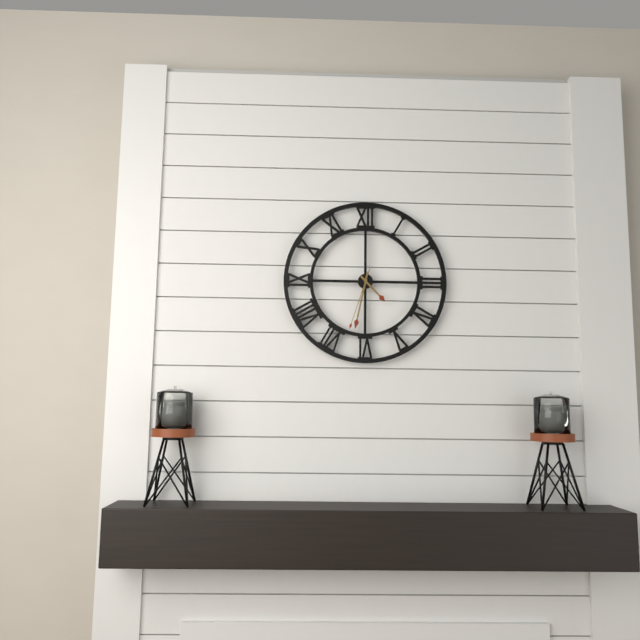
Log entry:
4h32m33s
